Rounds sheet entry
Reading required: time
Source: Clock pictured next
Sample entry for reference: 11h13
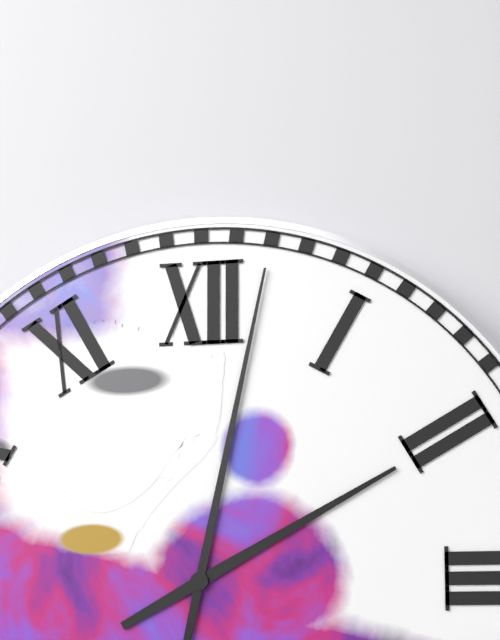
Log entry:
2h02
